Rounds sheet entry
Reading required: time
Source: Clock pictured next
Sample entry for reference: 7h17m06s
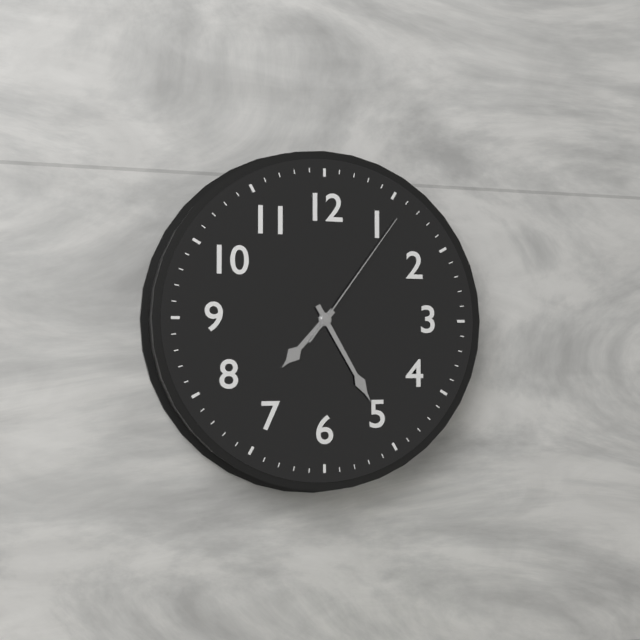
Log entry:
7h25m06s
